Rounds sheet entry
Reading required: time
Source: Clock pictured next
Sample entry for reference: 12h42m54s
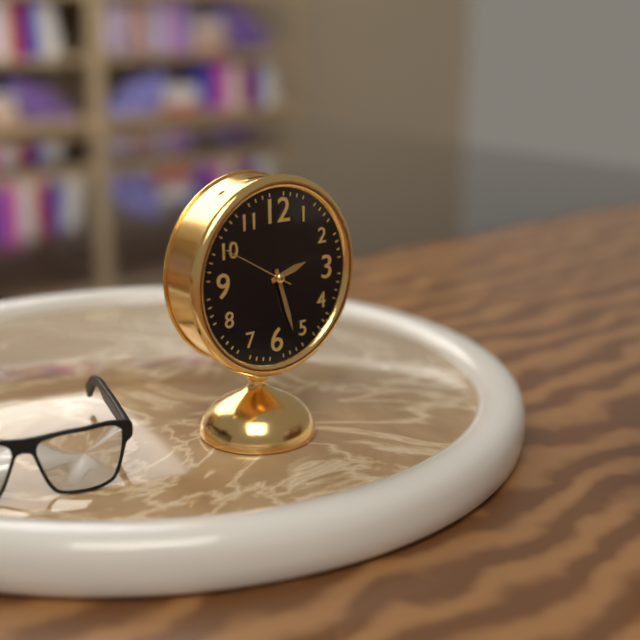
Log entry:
2h27m50s
